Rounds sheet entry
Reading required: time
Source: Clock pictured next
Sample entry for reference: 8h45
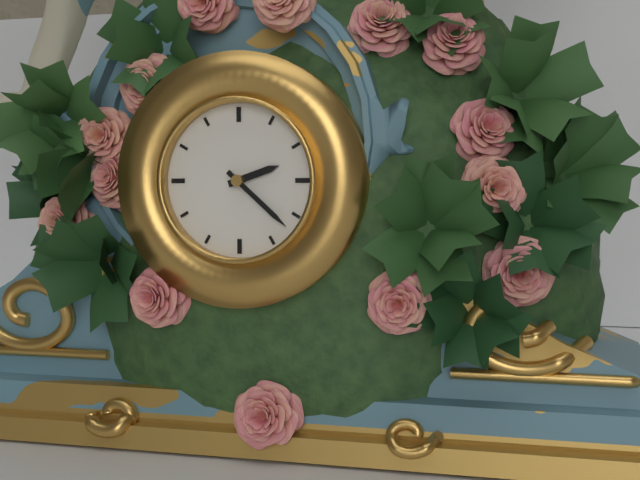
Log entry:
2h22
